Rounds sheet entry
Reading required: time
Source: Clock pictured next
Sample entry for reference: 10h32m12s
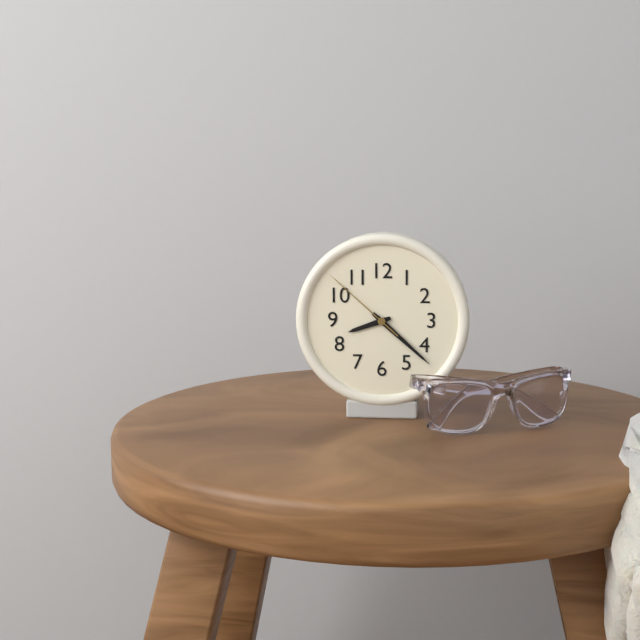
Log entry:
8h22m52s
